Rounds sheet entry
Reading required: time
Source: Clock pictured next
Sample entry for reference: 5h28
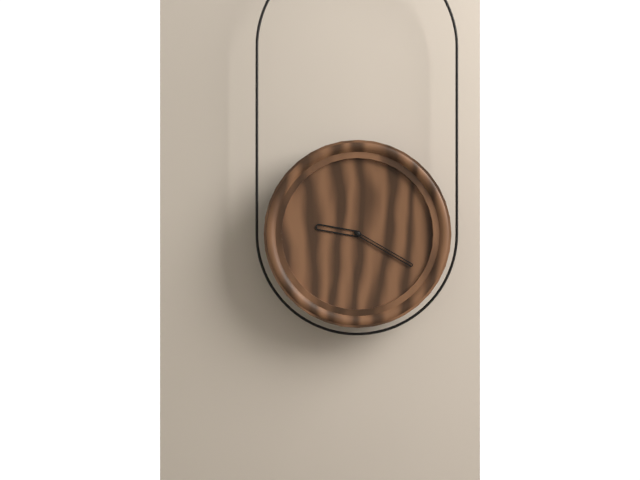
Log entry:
9h20
